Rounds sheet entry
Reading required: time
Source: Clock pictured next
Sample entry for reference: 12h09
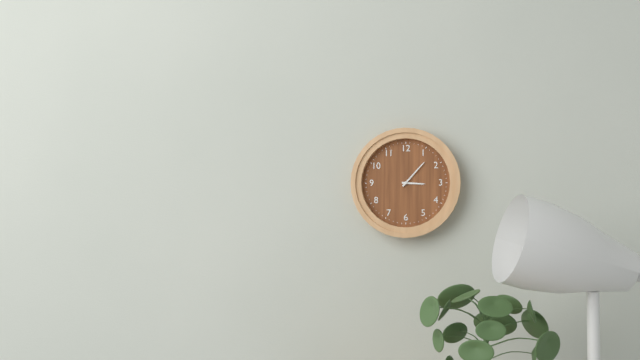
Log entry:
3h07
